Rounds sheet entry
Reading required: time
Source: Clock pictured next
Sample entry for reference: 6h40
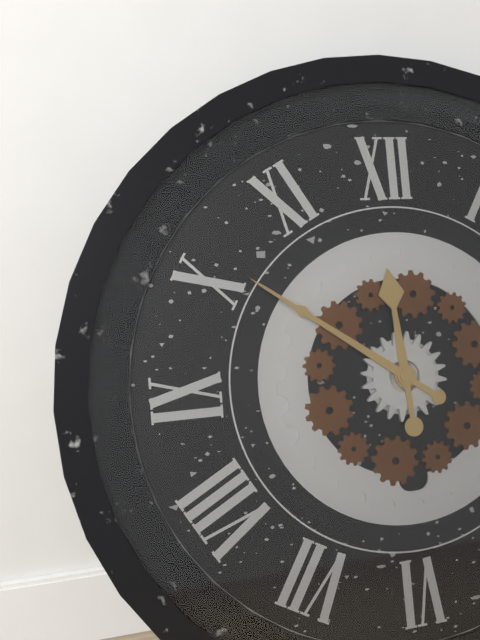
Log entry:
11h51
